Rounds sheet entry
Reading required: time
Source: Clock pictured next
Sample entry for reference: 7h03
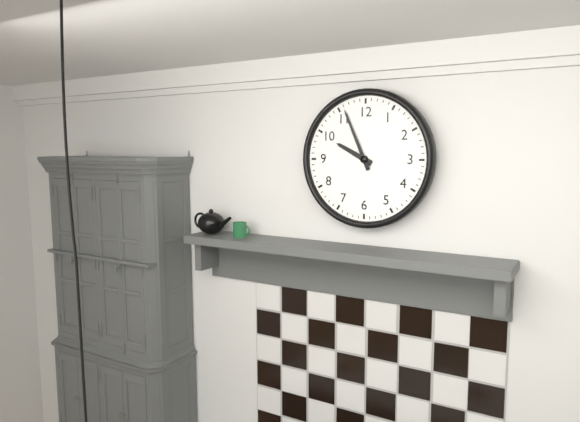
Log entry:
9h56
